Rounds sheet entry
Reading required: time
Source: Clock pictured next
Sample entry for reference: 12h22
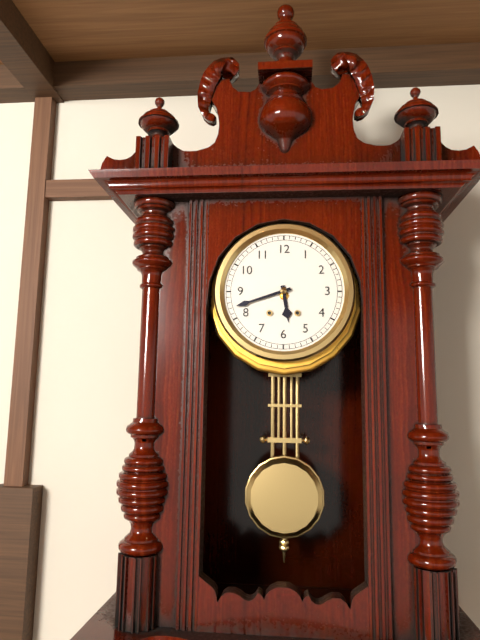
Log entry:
5h42
